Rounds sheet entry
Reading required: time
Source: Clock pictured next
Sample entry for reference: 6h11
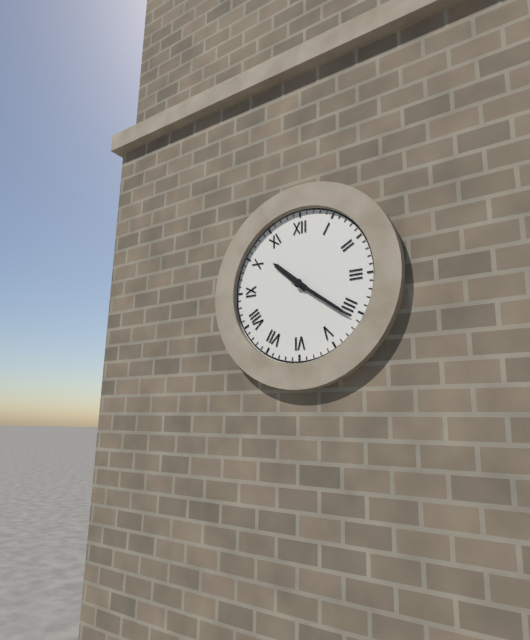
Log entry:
10h21
